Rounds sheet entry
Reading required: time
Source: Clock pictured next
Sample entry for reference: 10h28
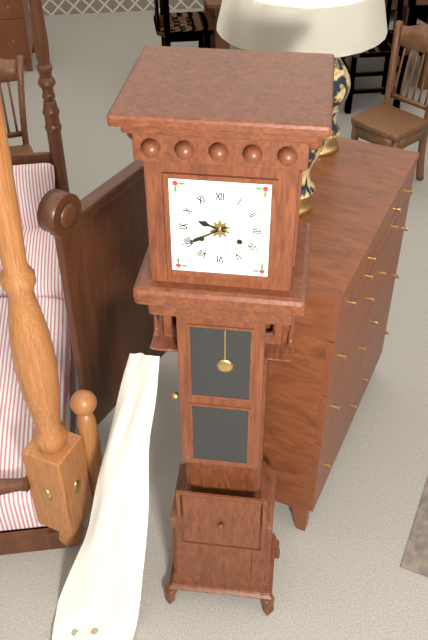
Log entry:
9h40
